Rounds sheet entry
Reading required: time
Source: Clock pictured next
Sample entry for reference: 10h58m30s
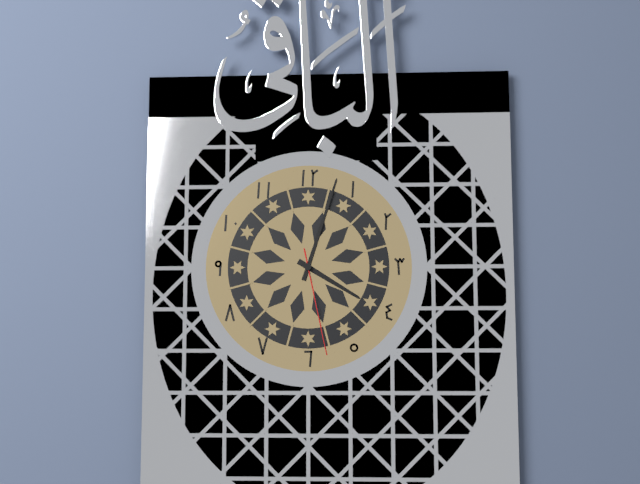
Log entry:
4h03m28s
